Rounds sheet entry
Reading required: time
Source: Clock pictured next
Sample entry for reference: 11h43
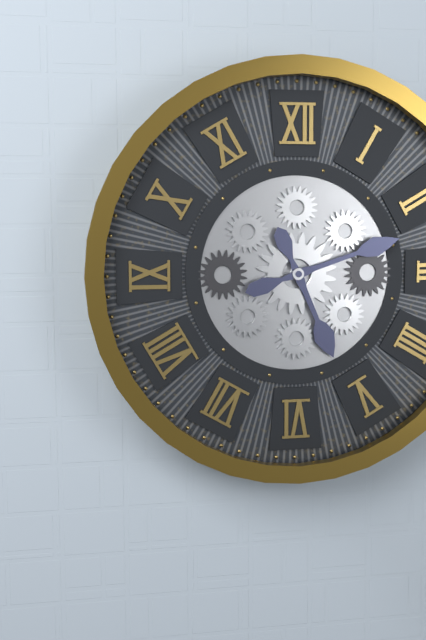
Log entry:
5h12
